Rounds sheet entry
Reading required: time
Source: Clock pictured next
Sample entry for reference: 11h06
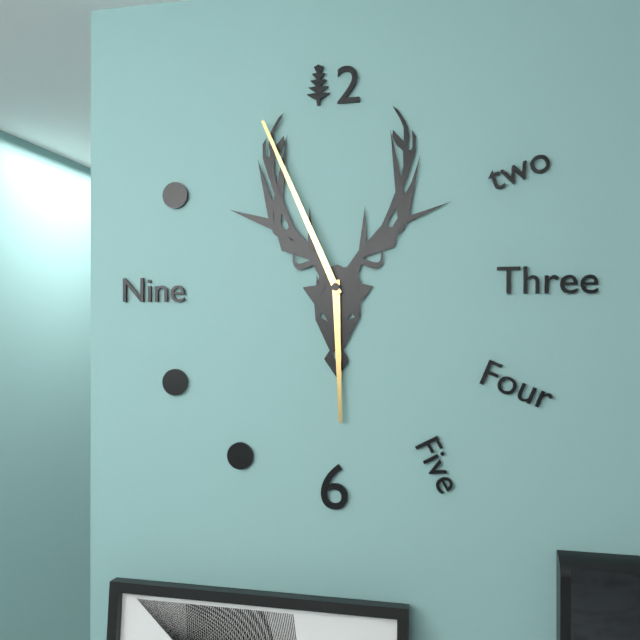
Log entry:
5h56
